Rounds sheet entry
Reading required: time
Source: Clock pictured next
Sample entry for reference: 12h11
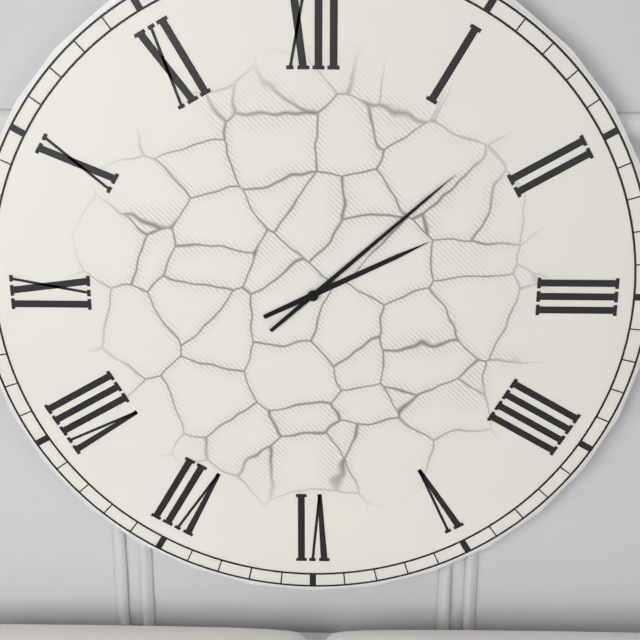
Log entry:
2h08
